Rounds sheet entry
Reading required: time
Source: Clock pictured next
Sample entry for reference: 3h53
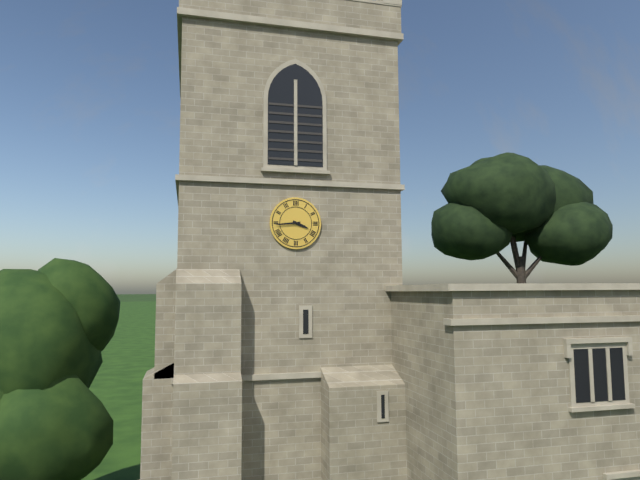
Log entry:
3h44
